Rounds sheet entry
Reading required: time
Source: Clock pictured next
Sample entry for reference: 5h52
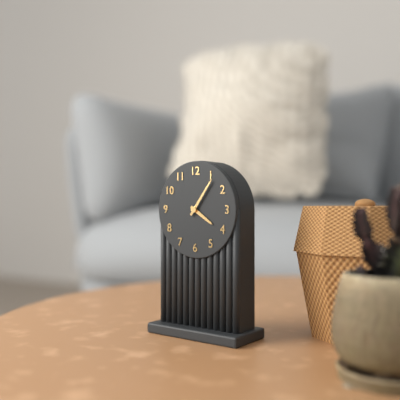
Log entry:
4h06
